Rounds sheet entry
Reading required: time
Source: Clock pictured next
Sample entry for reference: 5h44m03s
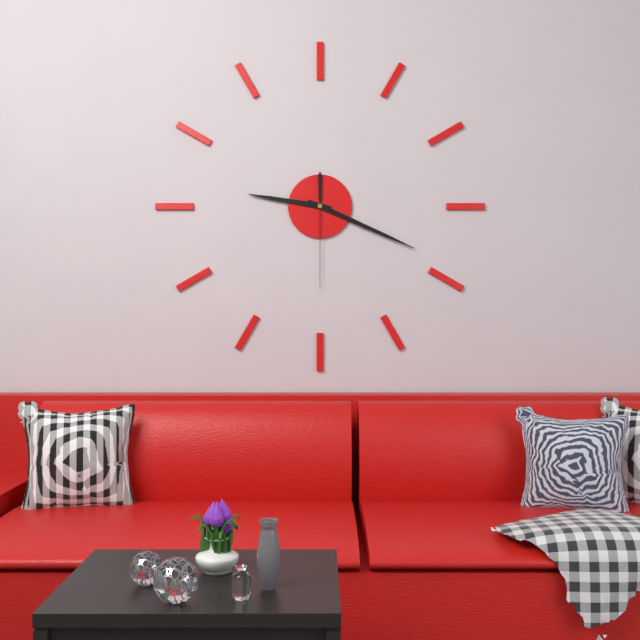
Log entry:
9h19m30s
